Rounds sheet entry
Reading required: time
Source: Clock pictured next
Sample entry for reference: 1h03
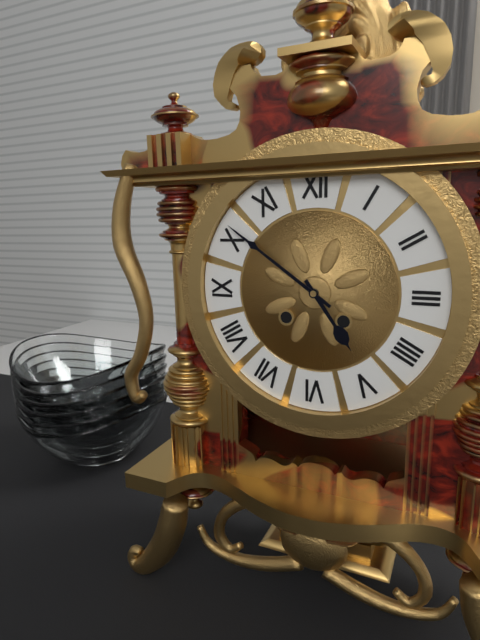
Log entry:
4h51
